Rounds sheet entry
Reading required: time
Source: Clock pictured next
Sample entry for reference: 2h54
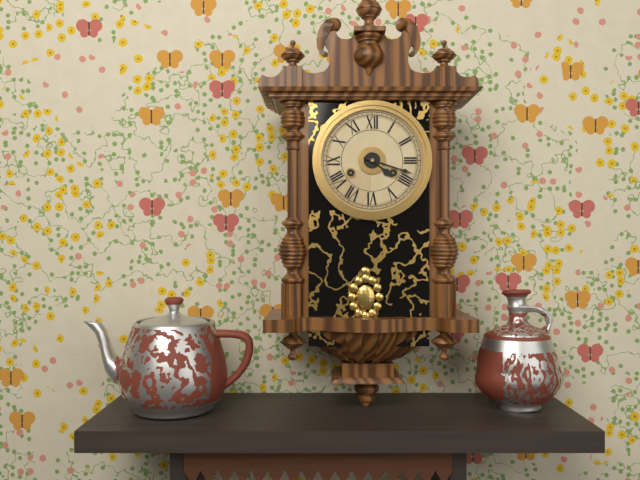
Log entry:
4h18
